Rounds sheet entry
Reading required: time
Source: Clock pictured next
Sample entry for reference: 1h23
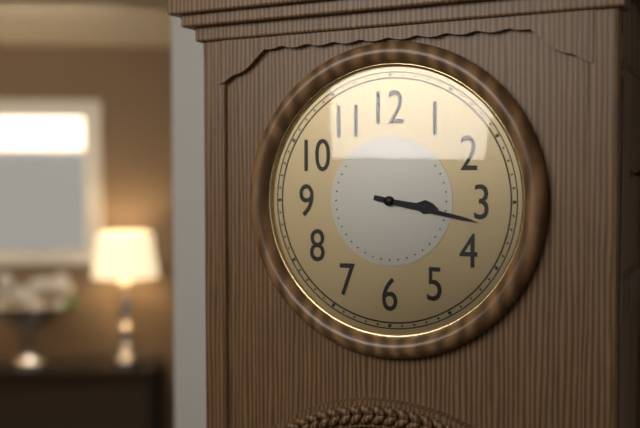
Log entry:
3h17
